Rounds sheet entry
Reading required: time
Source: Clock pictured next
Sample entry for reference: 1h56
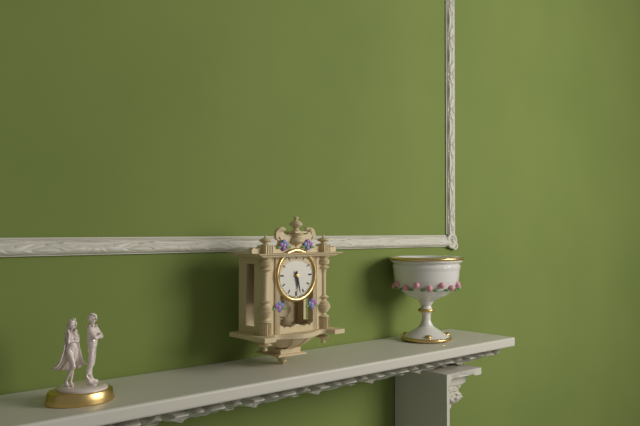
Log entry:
5h28
